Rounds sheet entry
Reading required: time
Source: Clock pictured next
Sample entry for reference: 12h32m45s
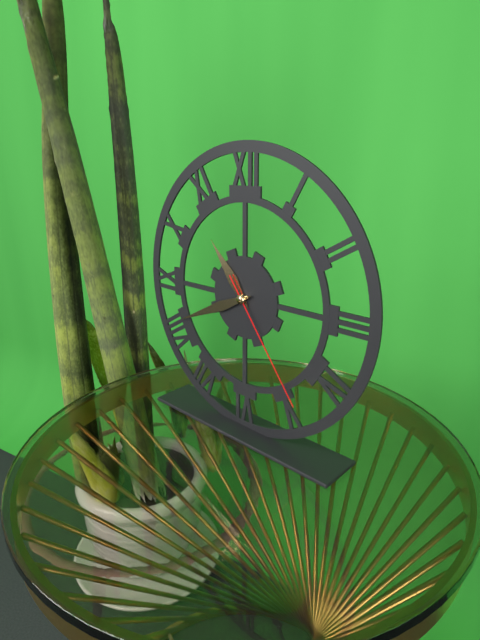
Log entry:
10h41m24s
